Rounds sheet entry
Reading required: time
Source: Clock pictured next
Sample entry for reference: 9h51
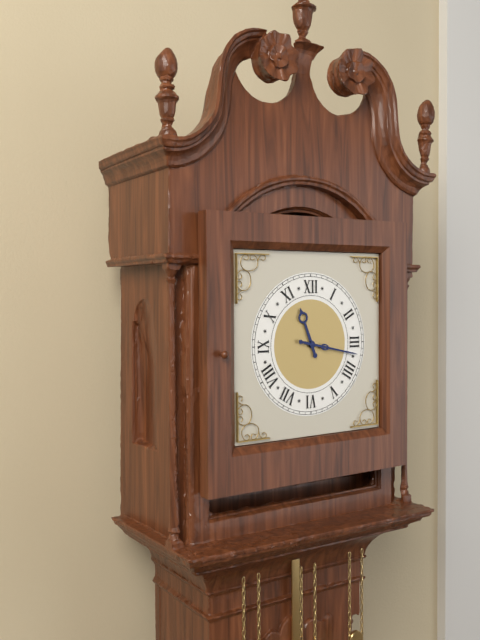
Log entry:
11h17
